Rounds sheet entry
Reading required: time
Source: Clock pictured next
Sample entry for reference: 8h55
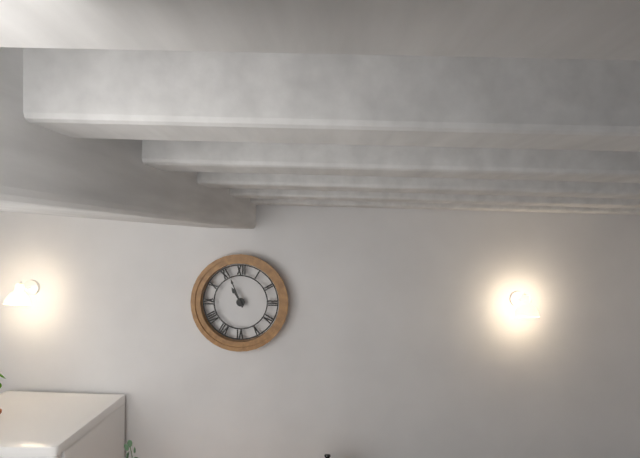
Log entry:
10h56
